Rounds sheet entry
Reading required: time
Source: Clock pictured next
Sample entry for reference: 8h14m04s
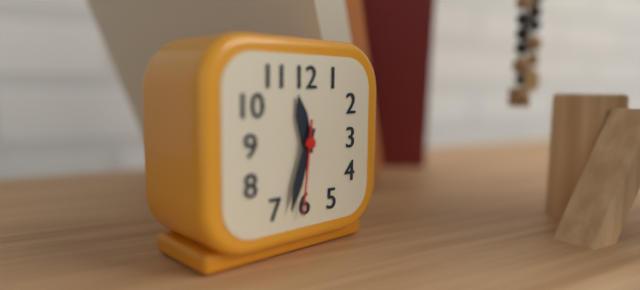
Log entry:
11h33m31s
